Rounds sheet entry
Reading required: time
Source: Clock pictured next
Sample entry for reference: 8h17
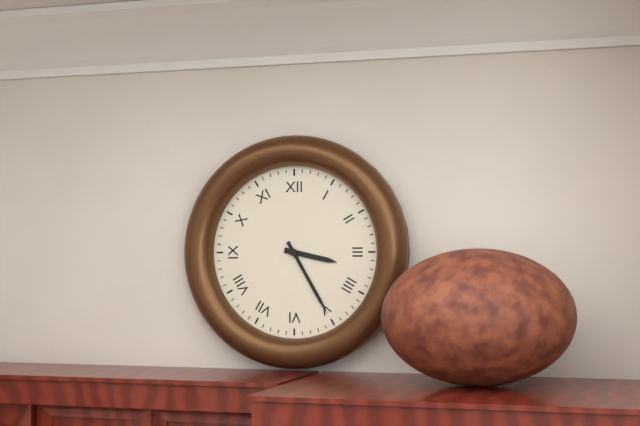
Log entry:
3h25
